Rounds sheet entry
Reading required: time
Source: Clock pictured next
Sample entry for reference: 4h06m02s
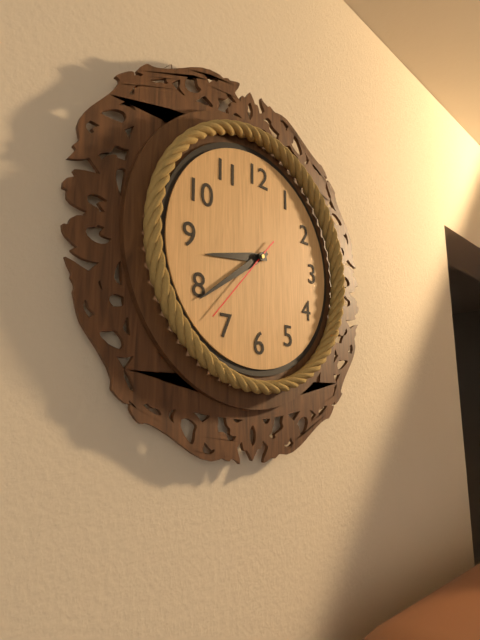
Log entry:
8h39m37s
